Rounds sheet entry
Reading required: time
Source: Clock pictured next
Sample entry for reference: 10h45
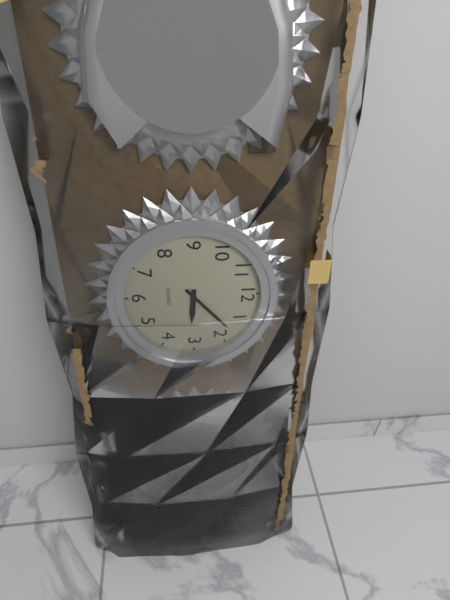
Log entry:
3h08
